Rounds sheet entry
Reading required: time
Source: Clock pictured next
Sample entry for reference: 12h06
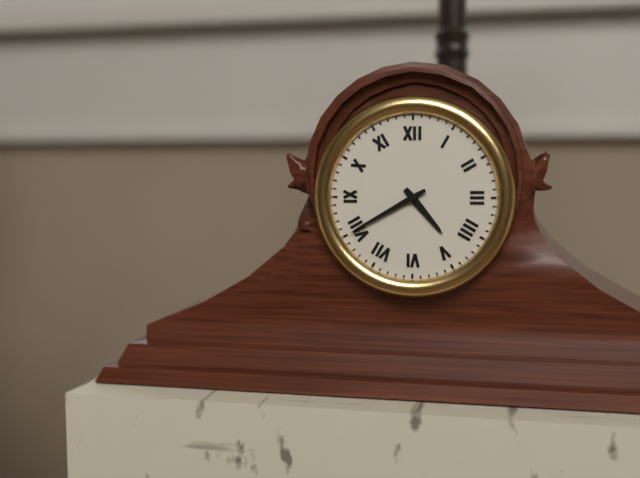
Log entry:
4h40
